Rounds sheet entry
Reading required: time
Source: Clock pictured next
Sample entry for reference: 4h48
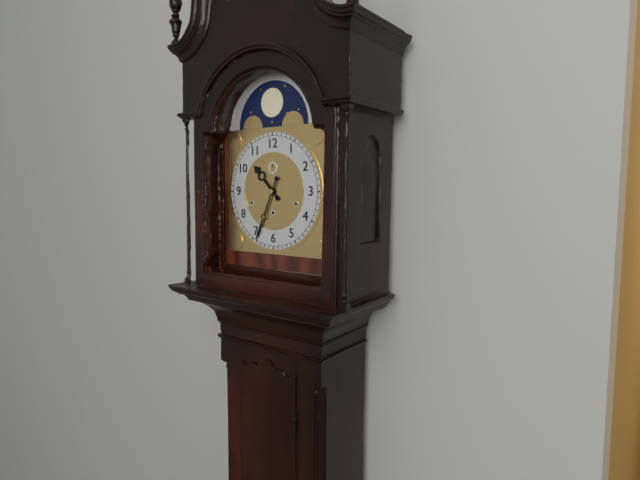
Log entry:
10h34
